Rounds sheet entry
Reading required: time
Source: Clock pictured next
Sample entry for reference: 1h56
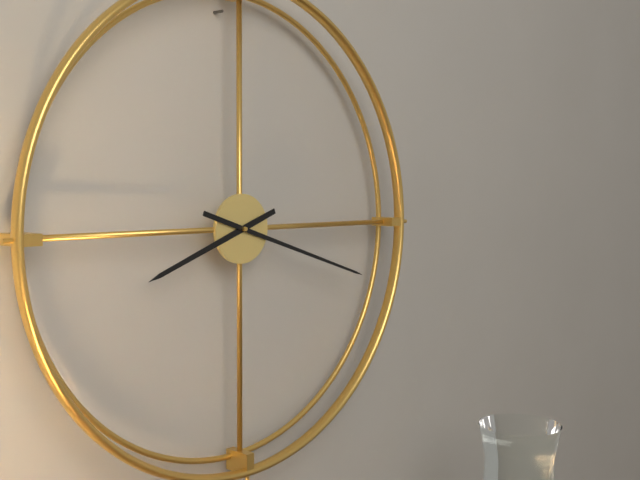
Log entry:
8h18
